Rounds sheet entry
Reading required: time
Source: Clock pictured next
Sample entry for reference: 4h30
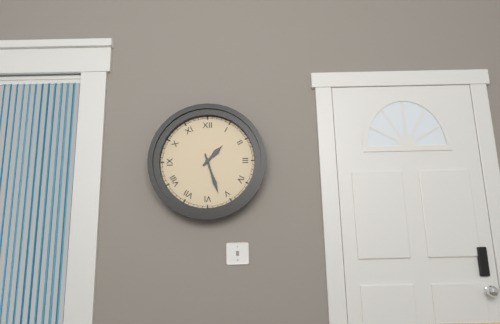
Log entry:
1h27
